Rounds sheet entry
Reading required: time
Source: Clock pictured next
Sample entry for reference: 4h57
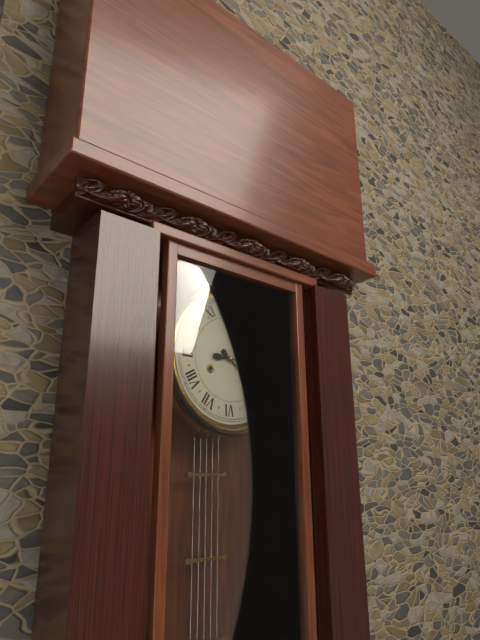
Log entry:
4h15
